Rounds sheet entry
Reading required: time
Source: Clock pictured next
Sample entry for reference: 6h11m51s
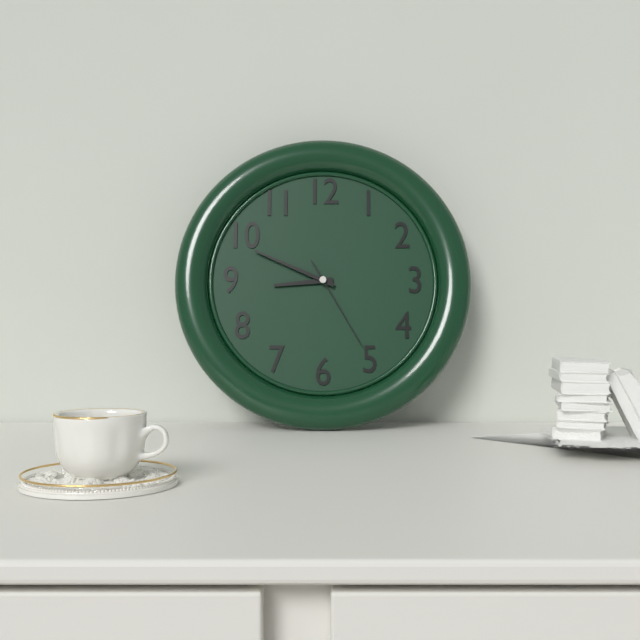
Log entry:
8h49m25s
